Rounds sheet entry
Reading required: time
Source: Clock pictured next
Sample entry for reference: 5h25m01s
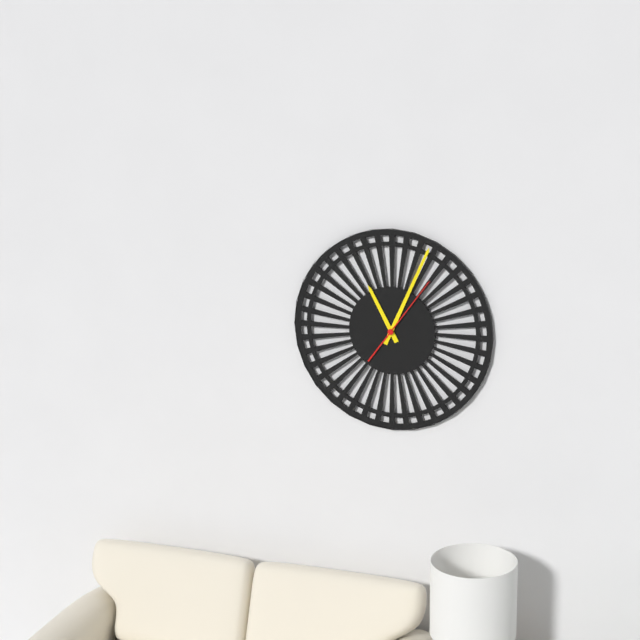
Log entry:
11h04m06s
